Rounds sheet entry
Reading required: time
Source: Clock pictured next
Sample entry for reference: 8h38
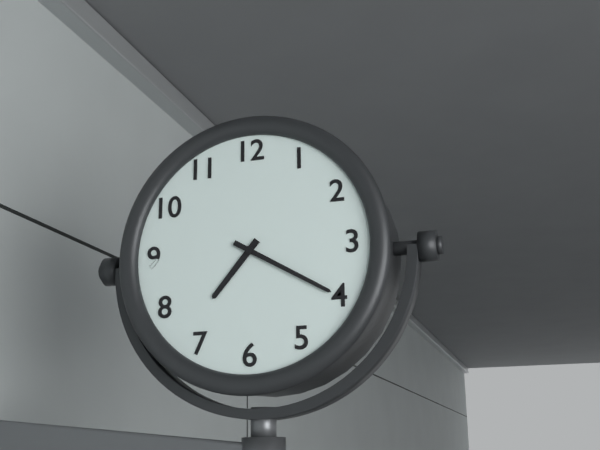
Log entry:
7h20
